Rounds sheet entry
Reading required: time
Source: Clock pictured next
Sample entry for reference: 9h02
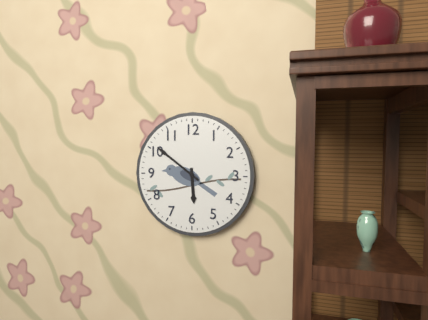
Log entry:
5h51
